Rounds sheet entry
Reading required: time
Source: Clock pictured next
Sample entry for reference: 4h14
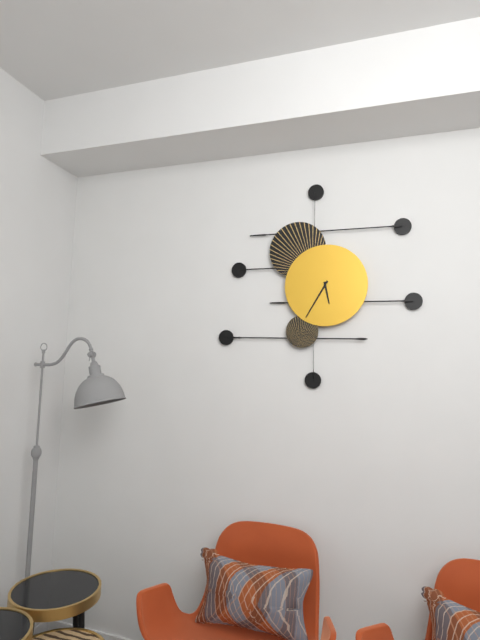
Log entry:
5h35
